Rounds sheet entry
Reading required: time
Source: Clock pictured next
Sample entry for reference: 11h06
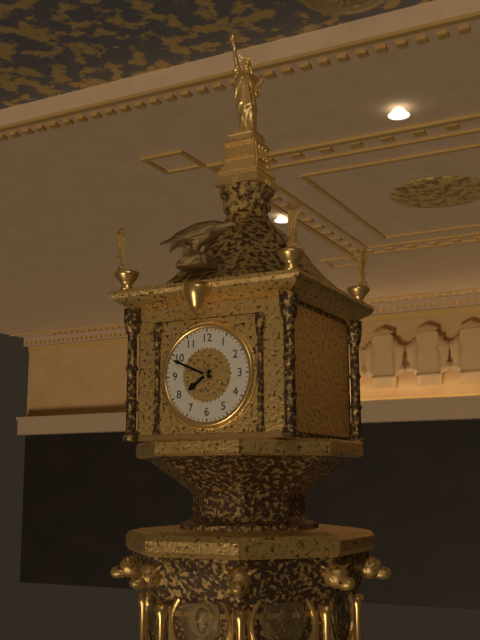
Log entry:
7h49
